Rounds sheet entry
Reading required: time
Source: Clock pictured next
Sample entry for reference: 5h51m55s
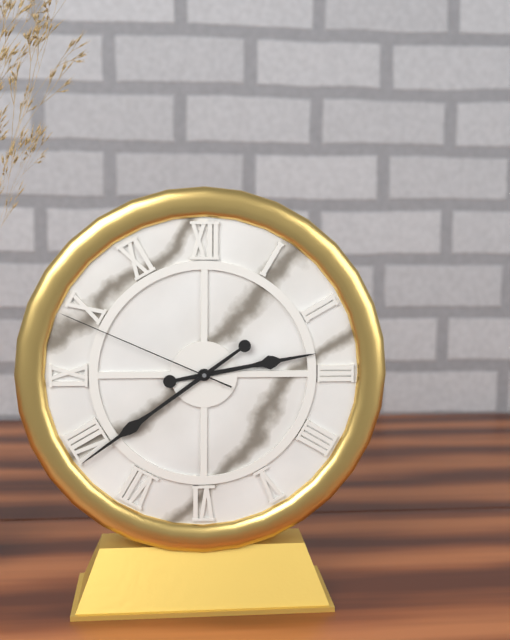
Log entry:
2h39m49s
